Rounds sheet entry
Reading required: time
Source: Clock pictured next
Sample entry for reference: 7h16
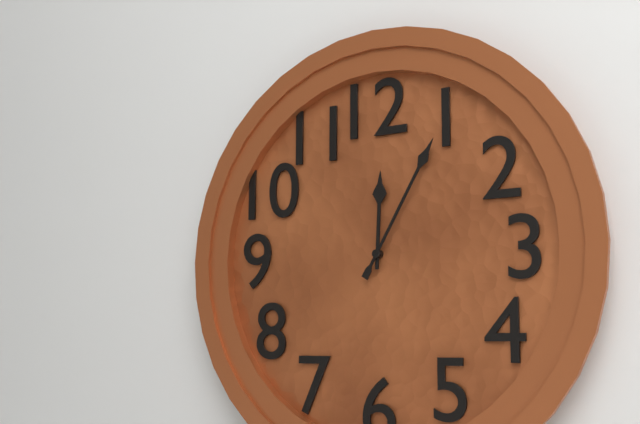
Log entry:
12h05
